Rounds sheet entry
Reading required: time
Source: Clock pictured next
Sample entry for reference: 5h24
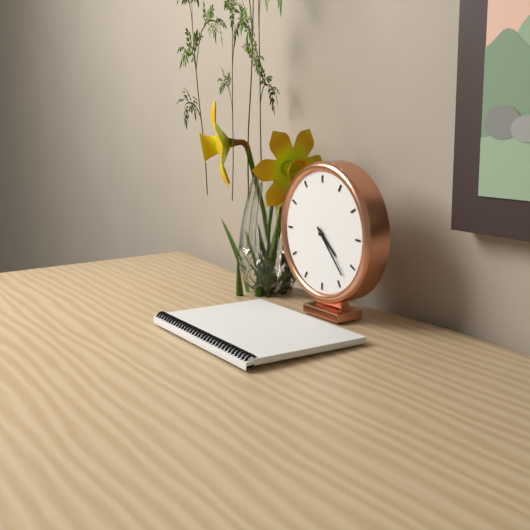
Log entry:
4h23
